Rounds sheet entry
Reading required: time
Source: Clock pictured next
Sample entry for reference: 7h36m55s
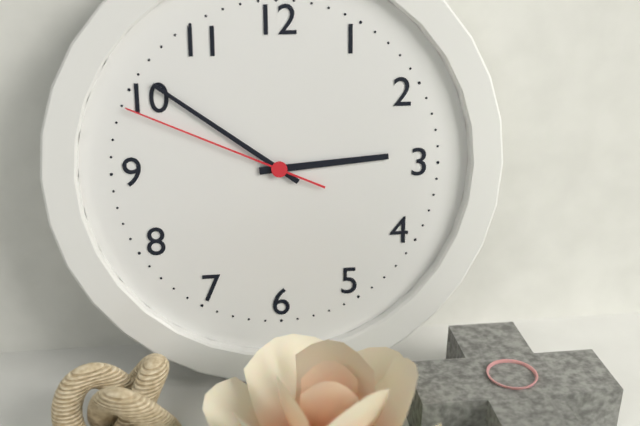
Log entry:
2h51m49s
